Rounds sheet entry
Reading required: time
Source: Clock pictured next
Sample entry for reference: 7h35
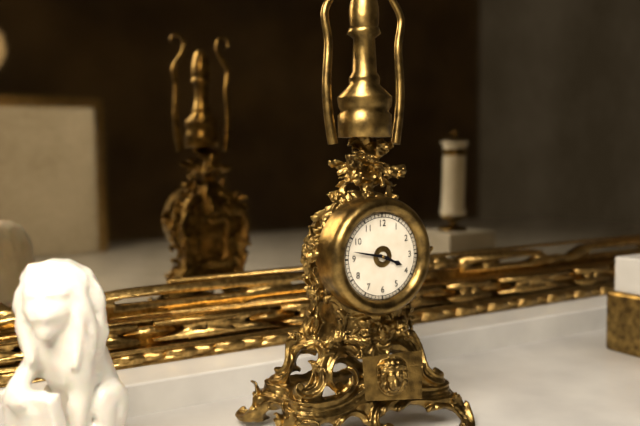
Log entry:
3h47
